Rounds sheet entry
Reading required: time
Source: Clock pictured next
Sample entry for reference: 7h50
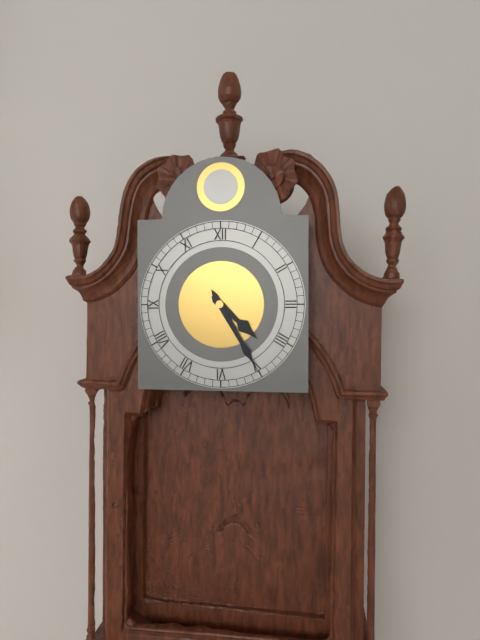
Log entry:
4h25
